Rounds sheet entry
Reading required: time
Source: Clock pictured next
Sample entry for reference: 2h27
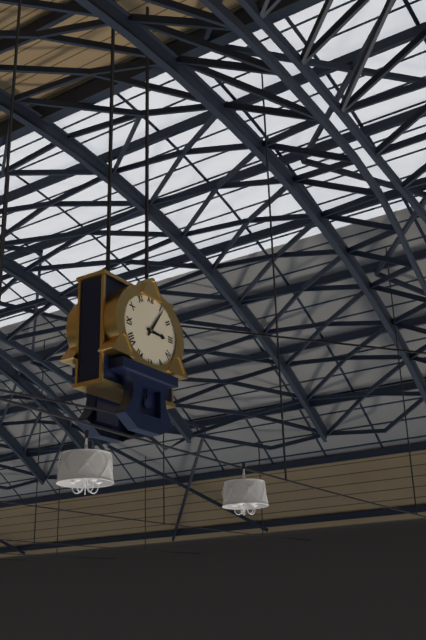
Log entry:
3h06
